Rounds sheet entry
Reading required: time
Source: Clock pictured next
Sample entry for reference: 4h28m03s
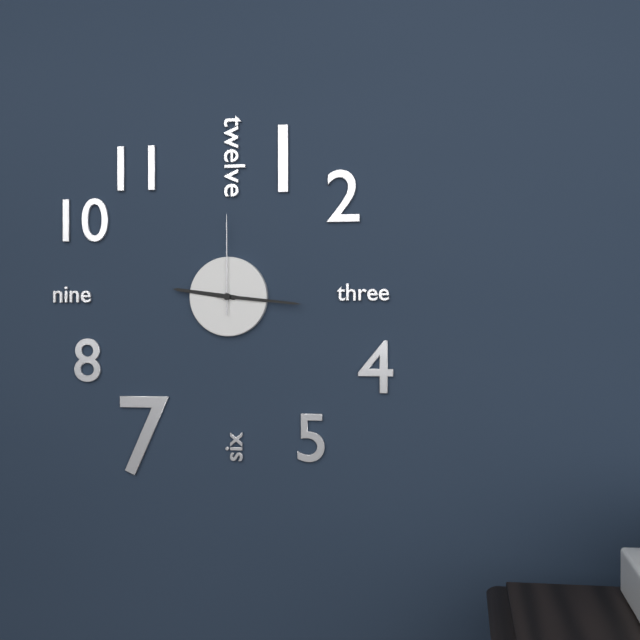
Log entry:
9h16m00s
